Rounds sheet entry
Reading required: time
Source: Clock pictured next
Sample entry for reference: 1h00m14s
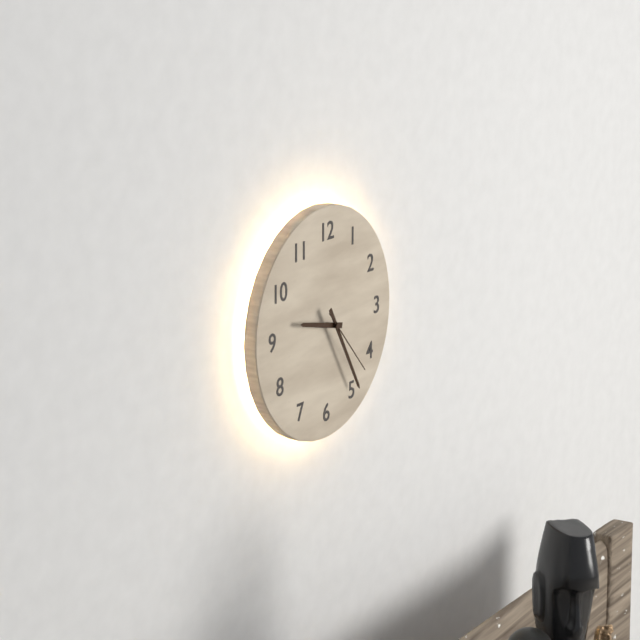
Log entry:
9h25m23s
